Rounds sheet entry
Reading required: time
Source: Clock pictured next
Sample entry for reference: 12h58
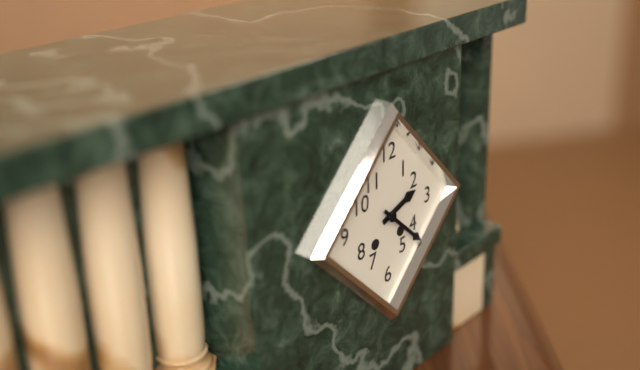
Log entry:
2h22
